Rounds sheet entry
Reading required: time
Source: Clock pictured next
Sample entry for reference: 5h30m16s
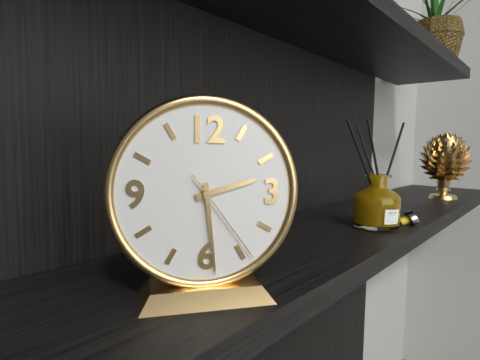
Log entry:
2h29m24s
